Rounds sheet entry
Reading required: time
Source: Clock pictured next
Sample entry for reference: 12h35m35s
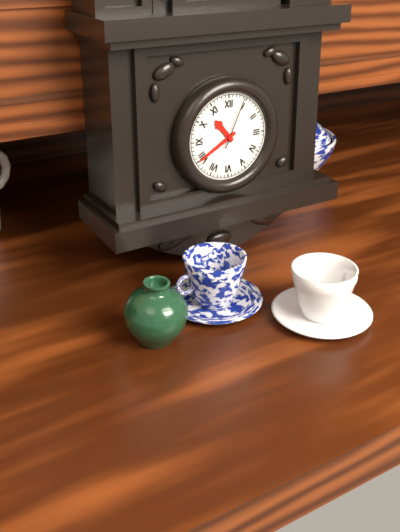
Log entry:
10h40m04s
